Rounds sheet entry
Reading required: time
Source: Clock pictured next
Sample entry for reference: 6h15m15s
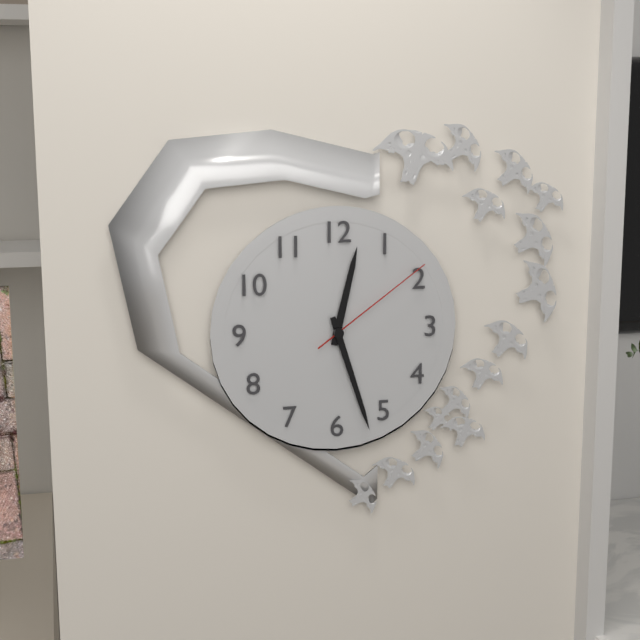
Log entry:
12h27m09s
